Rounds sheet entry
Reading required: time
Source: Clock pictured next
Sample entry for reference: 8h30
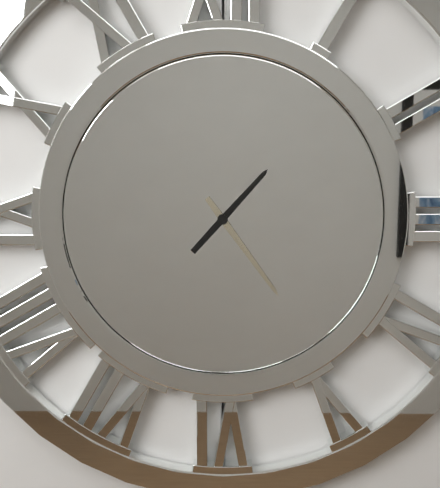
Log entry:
1h24
